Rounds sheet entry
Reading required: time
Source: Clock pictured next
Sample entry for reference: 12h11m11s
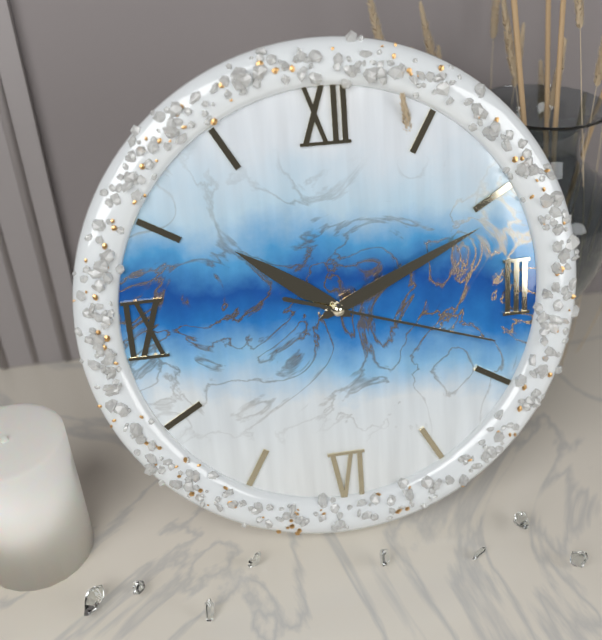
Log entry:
10h11m18s
